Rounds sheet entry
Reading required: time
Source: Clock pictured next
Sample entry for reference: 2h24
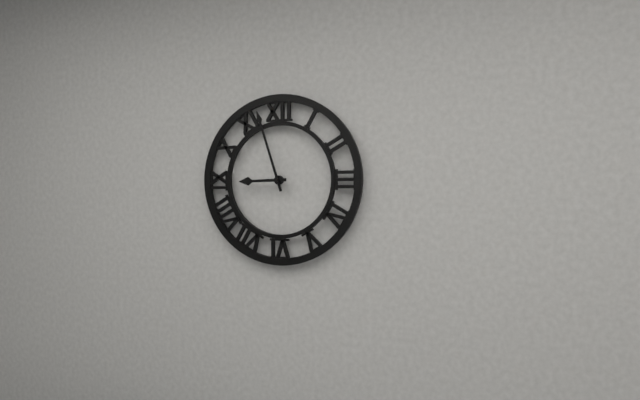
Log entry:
8h57
